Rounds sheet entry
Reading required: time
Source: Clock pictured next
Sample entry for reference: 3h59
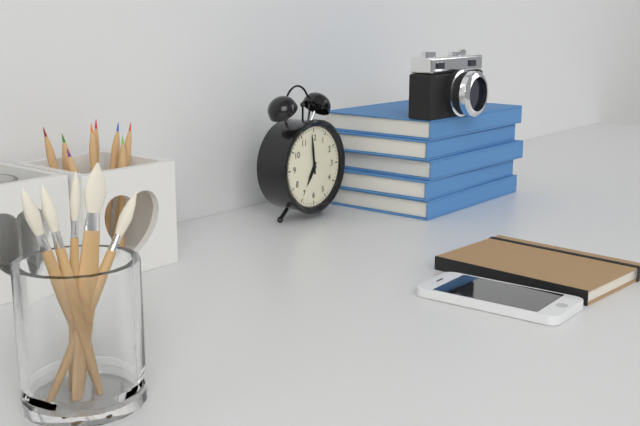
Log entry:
6h59
